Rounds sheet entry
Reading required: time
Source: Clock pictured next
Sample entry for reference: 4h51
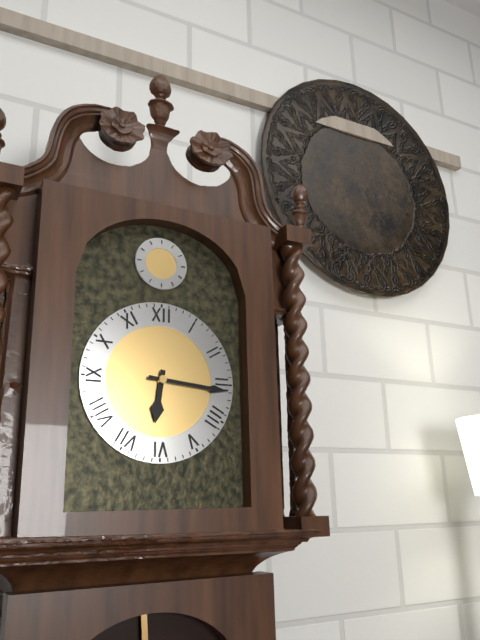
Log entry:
6h16
